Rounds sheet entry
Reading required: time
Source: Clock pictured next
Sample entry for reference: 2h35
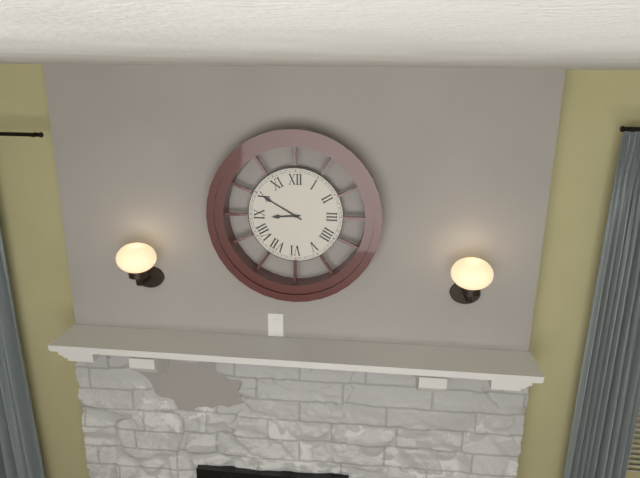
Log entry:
8h50
